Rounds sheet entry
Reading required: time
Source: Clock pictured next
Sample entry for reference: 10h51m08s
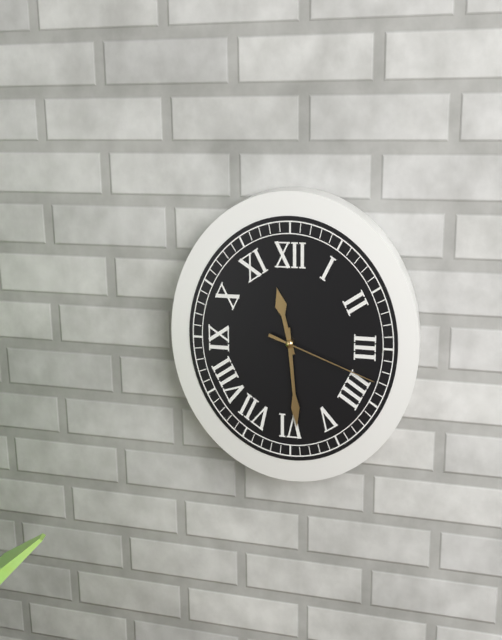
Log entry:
11h29m18s
